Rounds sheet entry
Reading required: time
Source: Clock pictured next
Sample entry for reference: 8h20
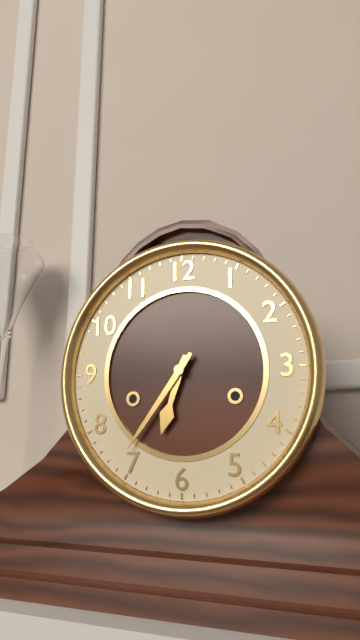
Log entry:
6h36
